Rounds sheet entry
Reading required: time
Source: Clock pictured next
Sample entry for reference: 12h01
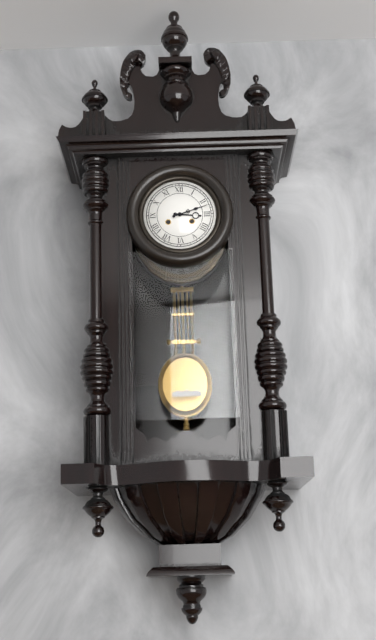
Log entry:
3h12
